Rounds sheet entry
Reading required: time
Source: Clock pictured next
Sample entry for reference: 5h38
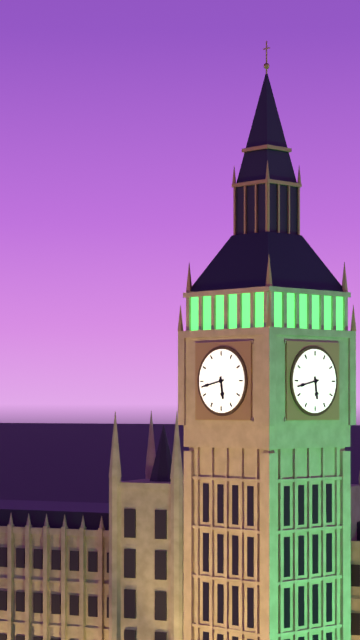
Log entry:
5h43
